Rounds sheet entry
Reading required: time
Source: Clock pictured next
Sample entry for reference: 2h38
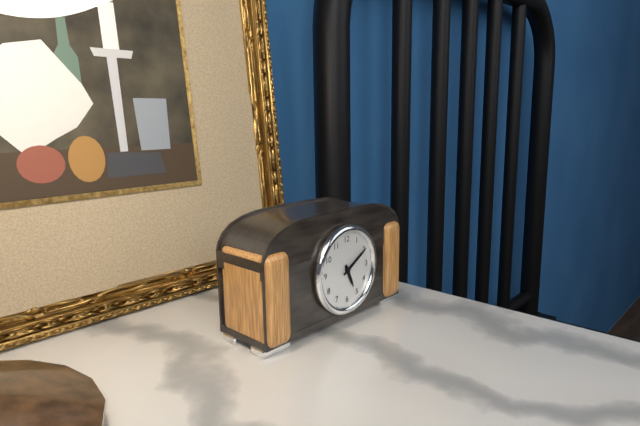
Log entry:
5h10
